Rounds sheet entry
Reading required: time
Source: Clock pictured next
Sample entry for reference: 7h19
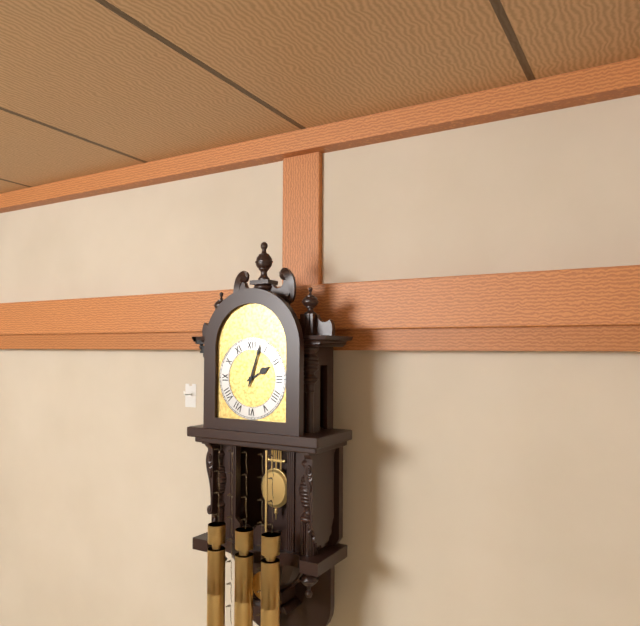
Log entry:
2h03
